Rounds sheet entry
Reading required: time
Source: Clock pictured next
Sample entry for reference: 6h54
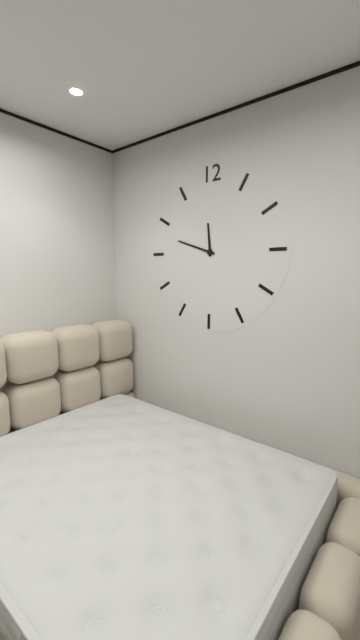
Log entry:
11h48
